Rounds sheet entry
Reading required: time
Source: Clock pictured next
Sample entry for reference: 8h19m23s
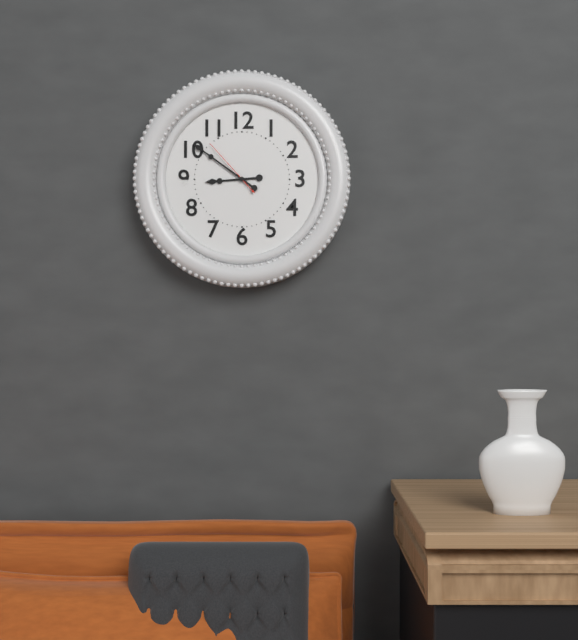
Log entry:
8h51m53s
